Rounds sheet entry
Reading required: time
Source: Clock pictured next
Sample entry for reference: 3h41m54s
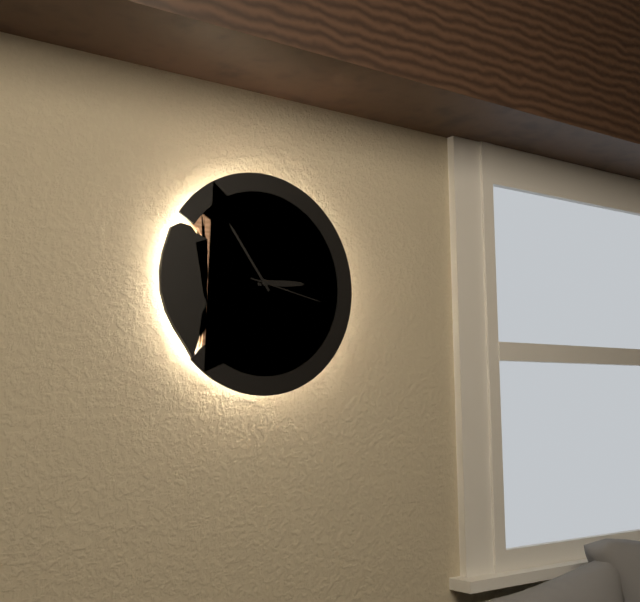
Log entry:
2h54m17s
